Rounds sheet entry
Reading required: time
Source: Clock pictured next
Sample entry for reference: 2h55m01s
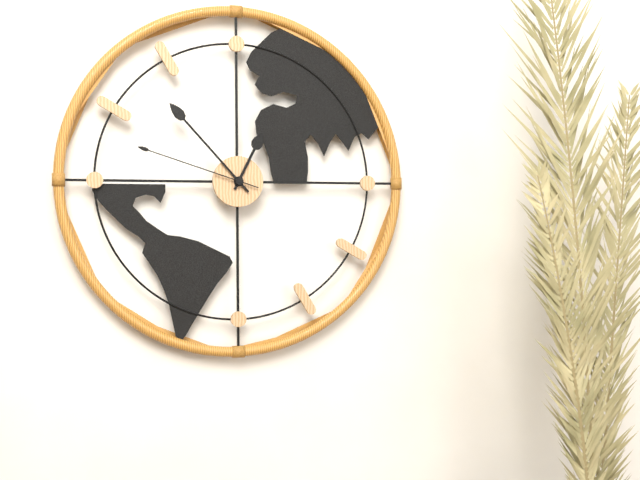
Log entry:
12h53m48s
